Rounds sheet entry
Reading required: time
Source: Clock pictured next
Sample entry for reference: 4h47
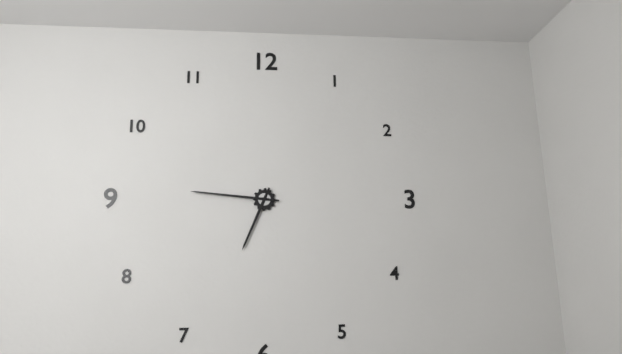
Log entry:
6h46
